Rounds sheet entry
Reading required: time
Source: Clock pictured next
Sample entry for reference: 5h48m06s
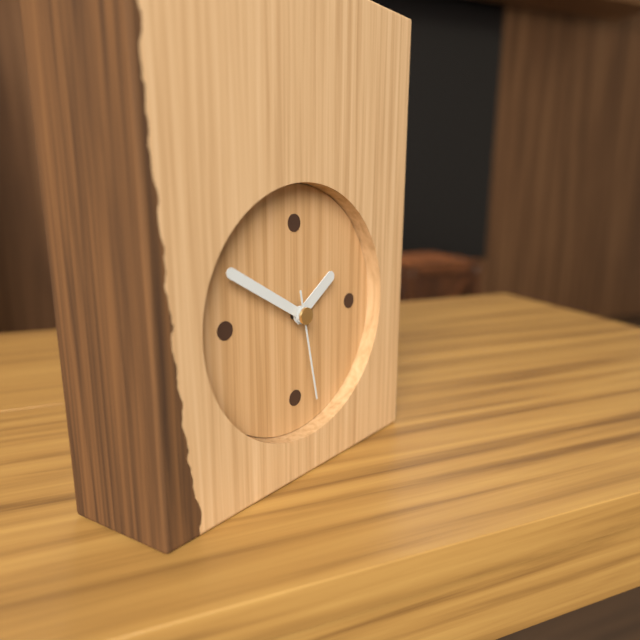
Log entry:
1h50m28s
